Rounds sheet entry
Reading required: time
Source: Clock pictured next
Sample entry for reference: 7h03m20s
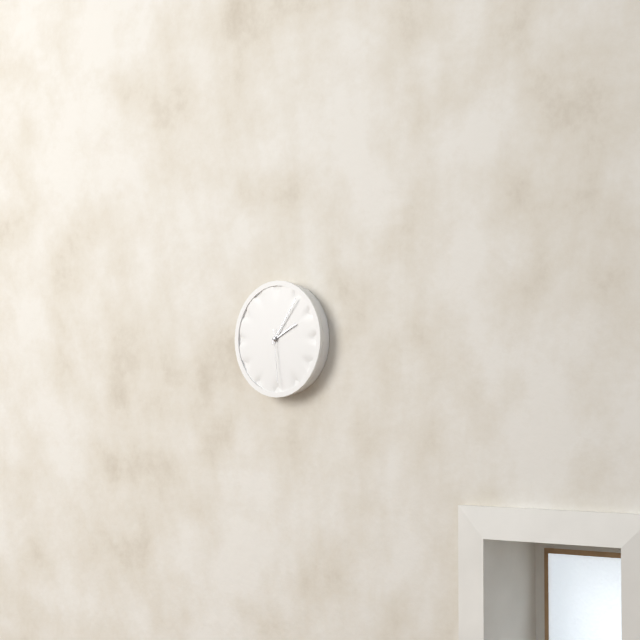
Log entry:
2h06m29s
